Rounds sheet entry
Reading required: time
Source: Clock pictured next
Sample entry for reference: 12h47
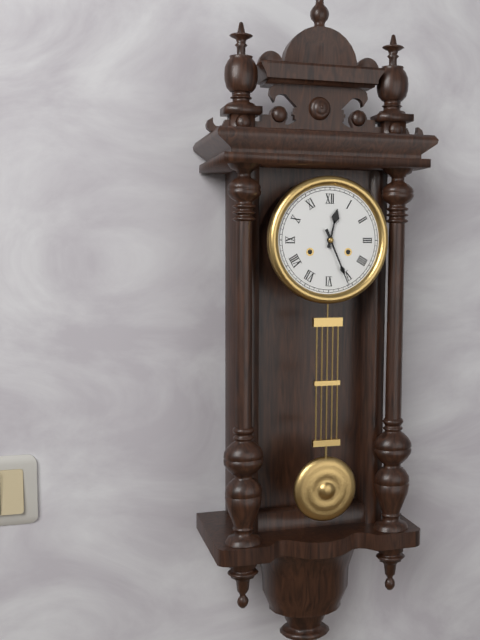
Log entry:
12h26
